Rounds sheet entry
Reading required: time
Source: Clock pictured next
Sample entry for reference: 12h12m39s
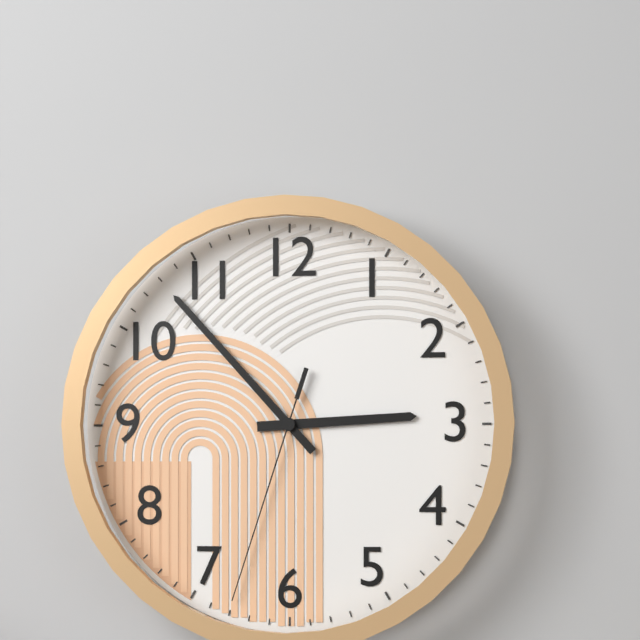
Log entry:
2h53m33s
